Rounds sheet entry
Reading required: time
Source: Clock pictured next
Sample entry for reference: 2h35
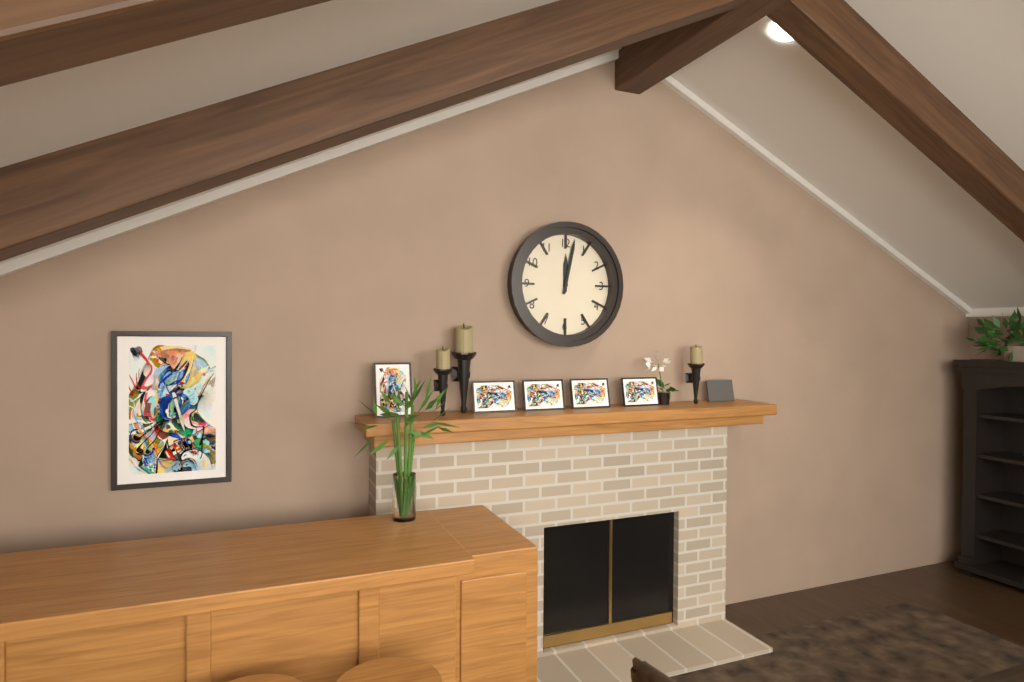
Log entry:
12h02
